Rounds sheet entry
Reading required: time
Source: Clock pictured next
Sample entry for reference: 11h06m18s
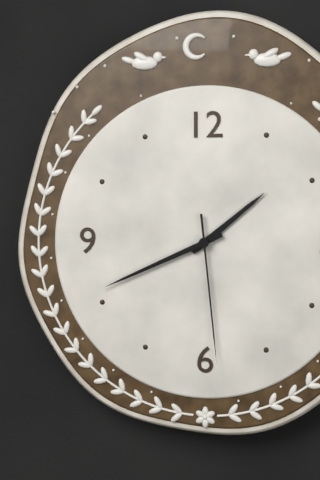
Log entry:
1h41m29s
